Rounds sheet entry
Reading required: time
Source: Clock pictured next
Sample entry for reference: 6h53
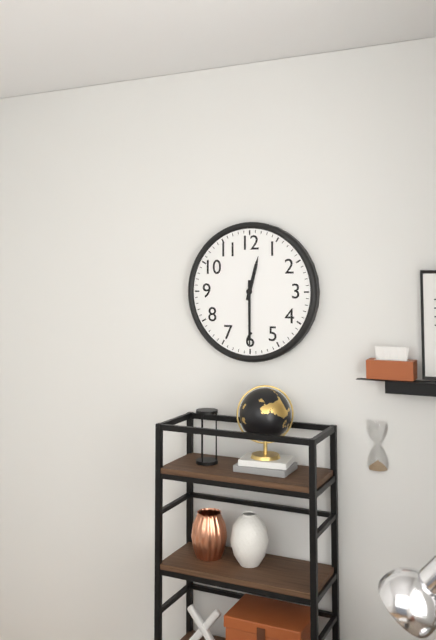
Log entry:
12h30
